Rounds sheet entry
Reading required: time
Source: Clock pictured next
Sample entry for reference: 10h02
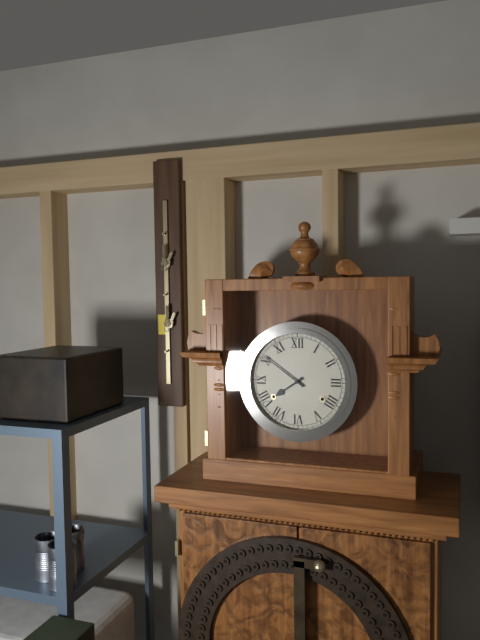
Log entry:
7h51
